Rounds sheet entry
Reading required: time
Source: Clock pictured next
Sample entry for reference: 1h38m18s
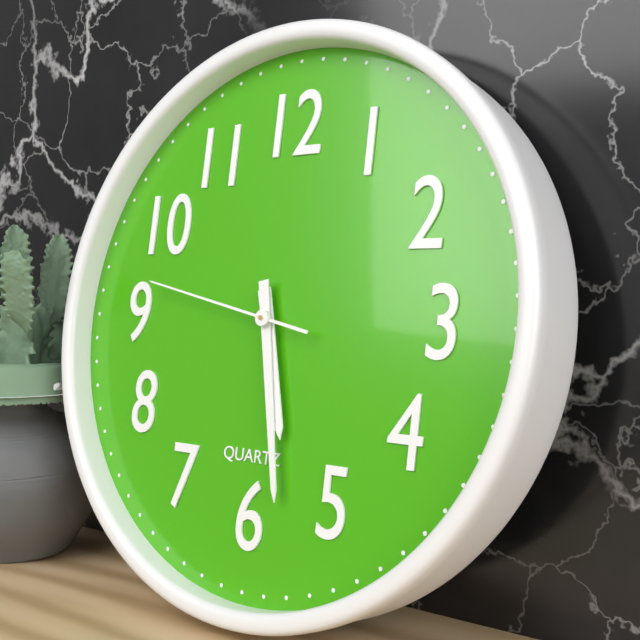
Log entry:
5h28m47s
